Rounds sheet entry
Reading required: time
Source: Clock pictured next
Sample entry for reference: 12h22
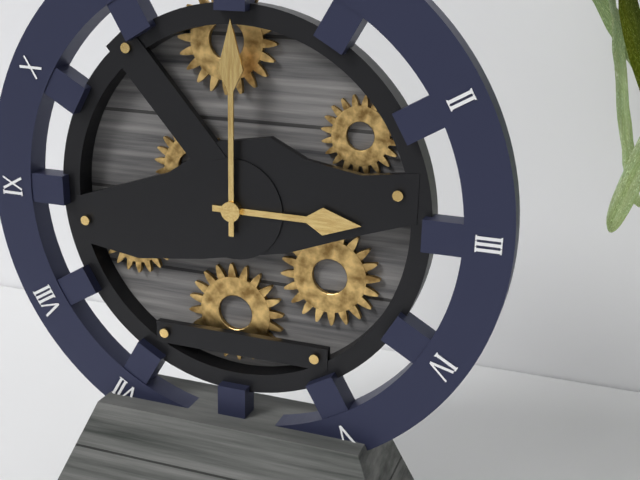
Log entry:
3h00
